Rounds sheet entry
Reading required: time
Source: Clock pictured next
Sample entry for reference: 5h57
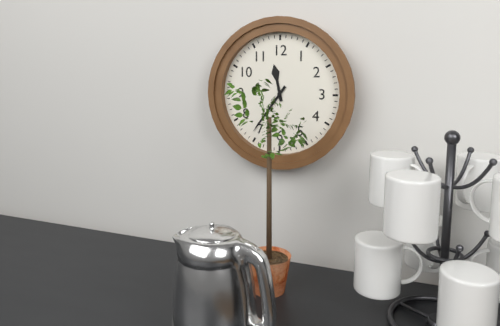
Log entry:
11h36
